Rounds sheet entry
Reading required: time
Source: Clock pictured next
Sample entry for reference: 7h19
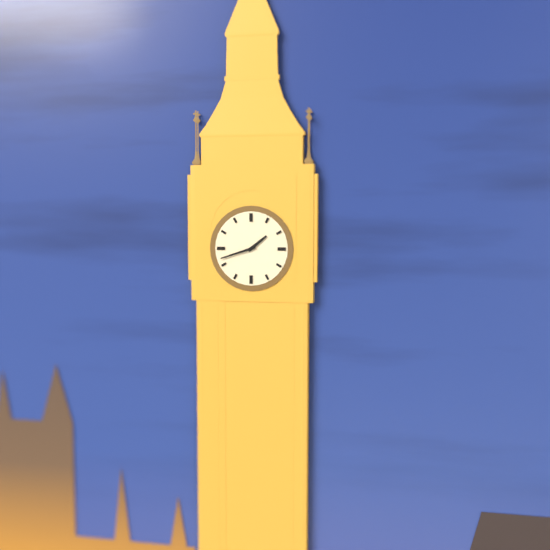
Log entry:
1h42
